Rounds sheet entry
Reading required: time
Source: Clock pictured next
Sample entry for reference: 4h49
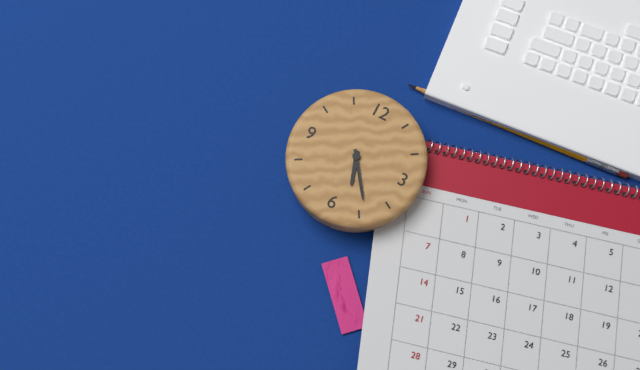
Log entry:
5h24
